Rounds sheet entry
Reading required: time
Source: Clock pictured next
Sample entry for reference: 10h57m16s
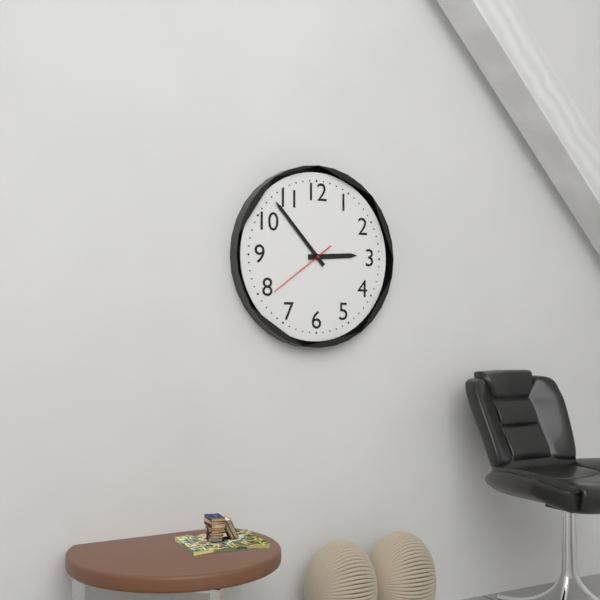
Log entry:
2h53m39s
